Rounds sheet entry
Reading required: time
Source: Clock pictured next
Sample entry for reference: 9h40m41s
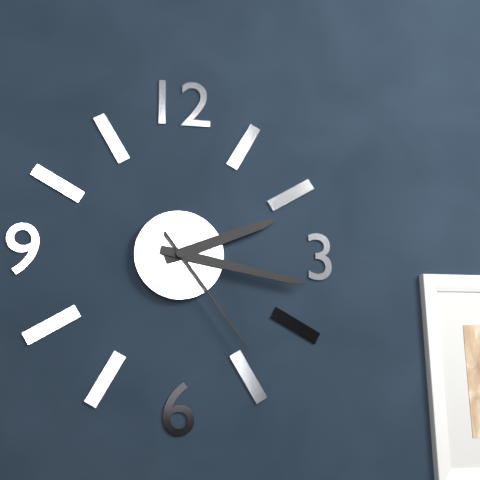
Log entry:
2h17m24s
